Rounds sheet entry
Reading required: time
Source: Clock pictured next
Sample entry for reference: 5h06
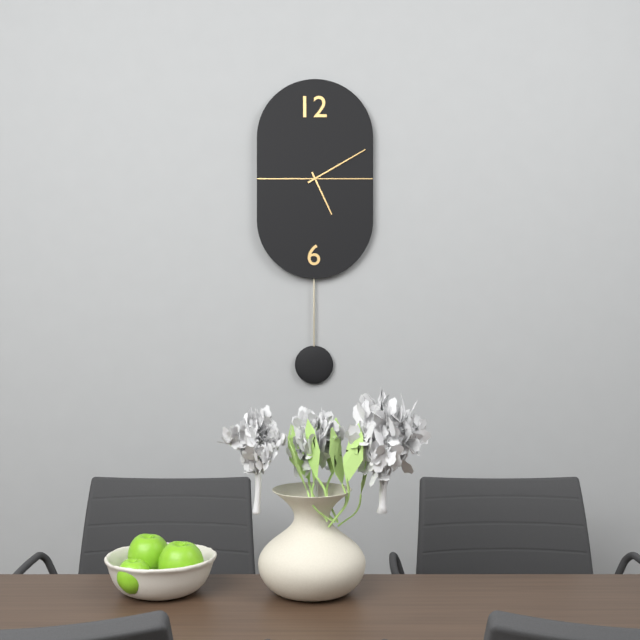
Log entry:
5h10
